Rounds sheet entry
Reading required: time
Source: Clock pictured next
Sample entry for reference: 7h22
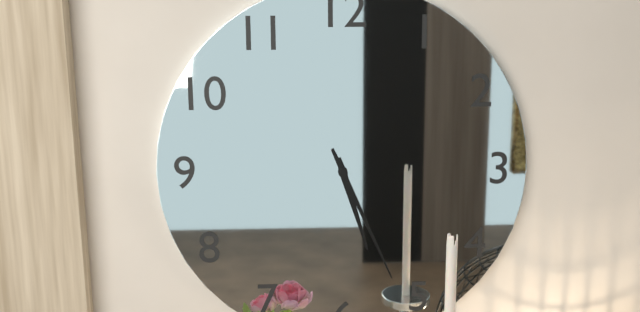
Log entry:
5h26
